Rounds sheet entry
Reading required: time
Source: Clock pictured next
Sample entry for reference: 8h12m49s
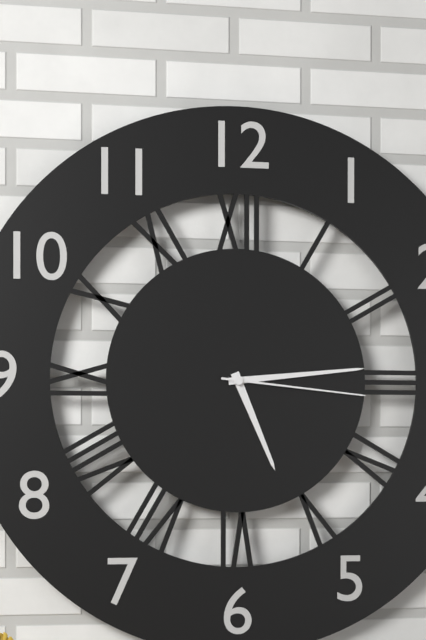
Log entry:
5h14m16s
